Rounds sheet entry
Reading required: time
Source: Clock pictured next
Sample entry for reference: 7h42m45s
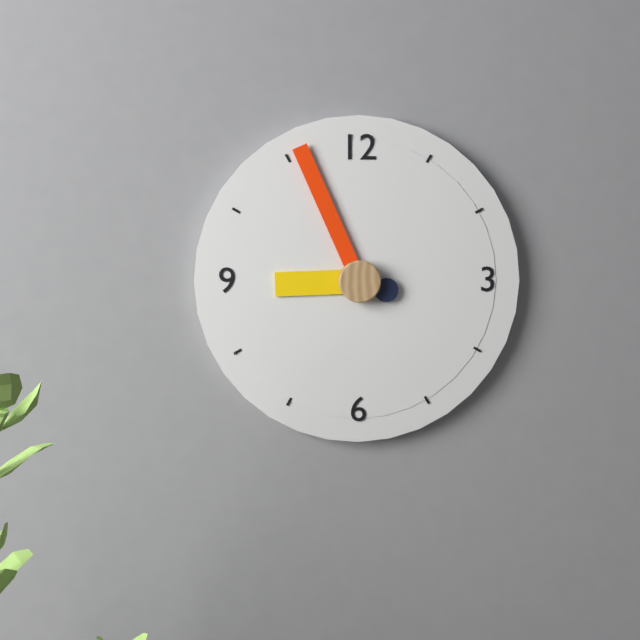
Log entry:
8h56m18s
